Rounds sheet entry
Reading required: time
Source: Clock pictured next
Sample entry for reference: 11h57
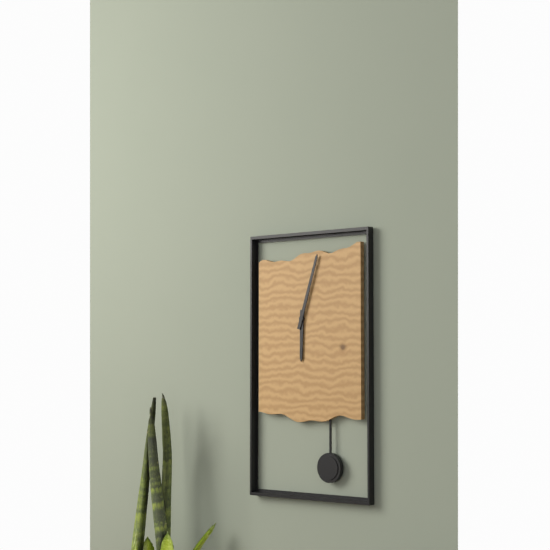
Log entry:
6h03
